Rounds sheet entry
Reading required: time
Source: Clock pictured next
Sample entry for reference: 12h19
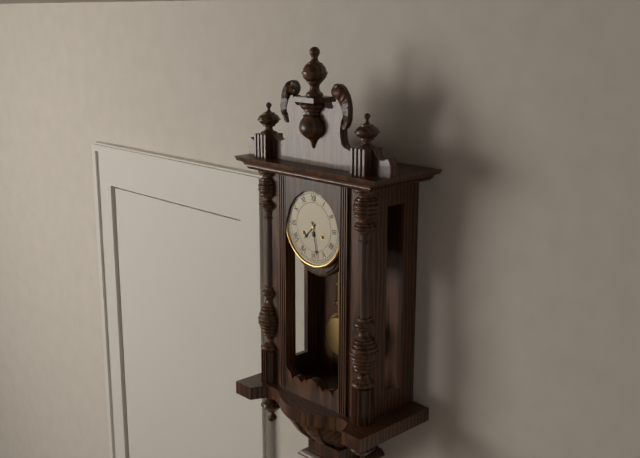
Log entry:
7h28
